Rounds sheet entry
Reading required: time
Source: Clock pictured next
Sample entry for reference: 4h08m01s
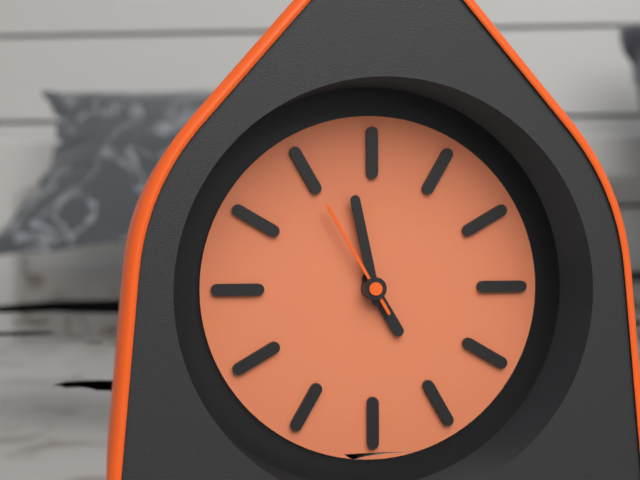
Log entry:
4h58m55s
